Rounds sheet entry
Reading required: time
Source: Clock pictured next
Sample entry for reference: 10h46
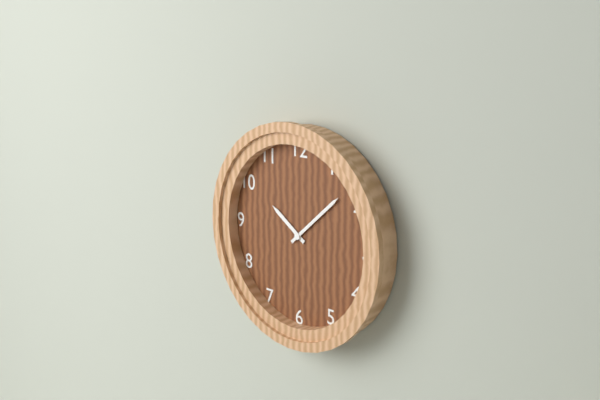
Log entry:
10h08
